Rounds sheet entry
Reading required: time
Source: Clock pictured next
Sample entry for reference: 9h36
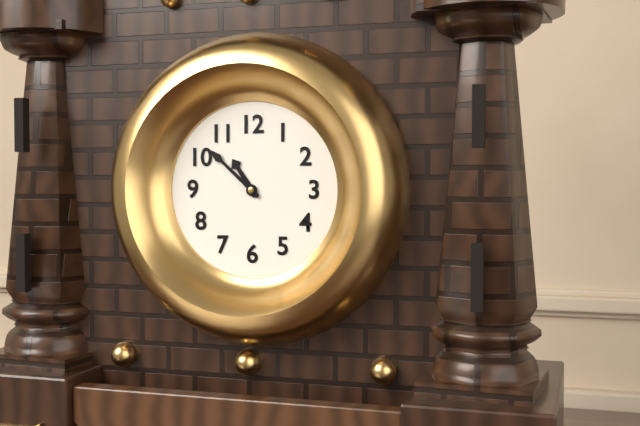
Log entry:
10h52
